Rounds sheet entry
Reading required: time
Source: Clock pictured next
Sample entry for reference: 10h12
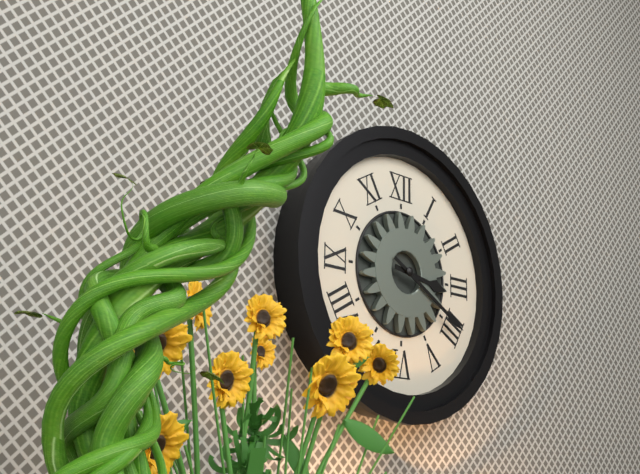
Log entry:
3h20
